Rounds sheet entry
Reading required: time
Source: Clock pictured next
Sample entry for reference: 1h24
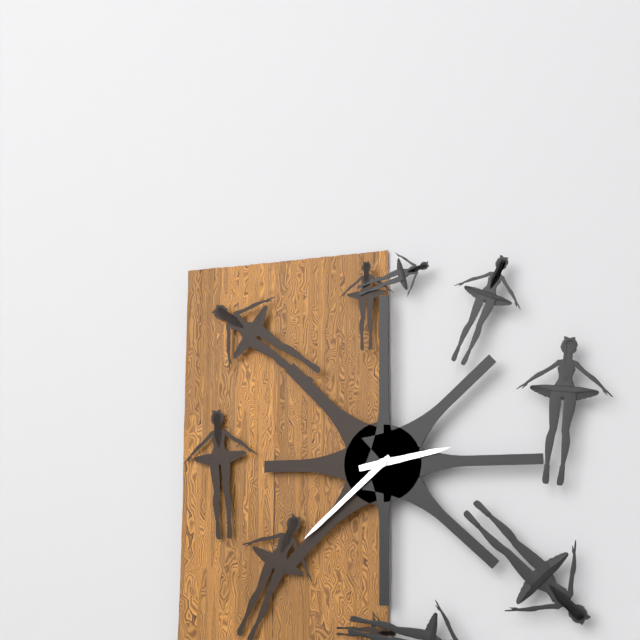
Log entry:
2h38
